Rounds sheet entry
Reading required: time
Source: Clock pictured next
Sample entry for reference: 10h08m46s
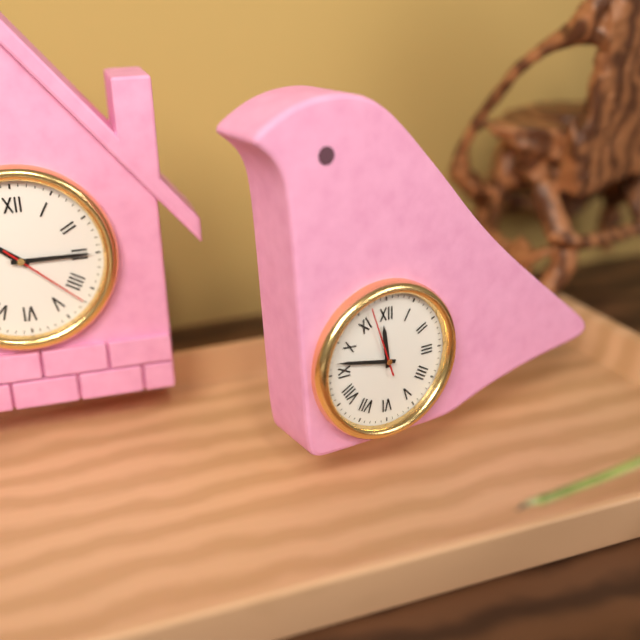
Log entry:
11h47m57s
